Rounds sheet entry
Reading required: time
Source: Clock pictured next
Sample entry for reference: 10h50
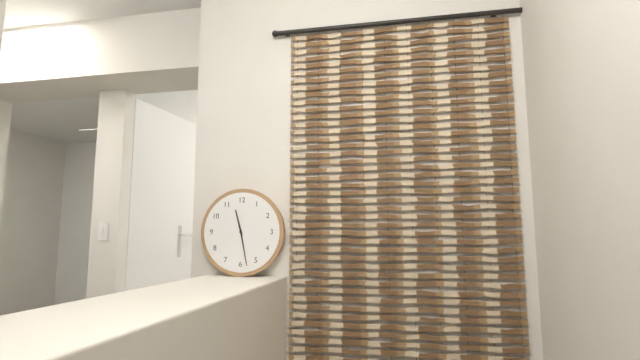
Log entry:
11h28
